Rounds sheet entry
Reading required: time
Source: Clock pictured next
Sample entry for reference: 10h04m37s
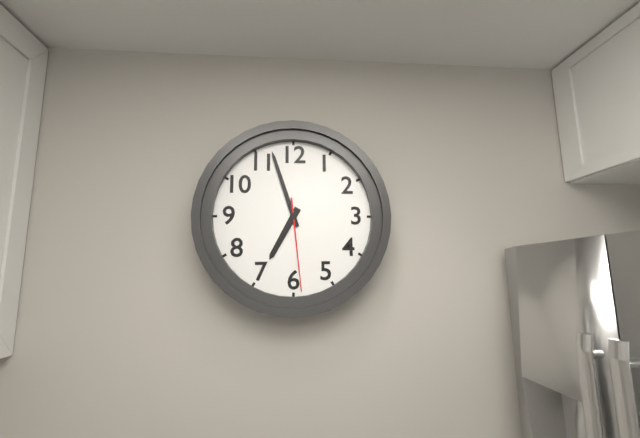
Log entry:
6h57m29s
